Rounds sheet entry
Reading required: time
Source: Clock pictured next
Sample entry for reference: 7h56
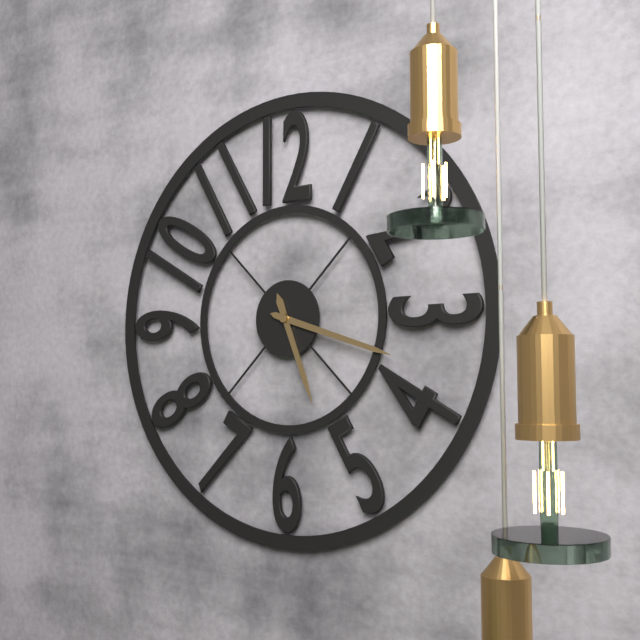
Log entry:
5h18
